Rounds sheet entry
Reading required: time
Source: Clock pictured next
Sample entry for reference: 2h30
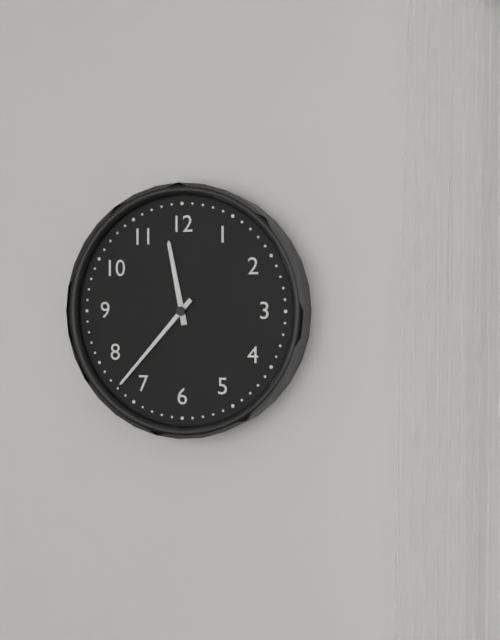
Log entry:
11h37
